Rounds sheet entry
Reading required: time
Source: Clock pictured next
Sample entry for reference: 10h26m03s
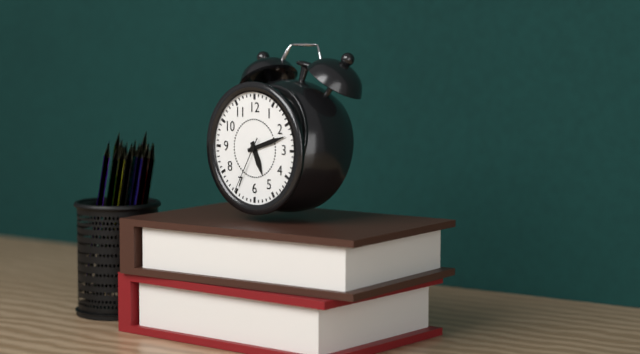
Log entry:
5h12m35s
